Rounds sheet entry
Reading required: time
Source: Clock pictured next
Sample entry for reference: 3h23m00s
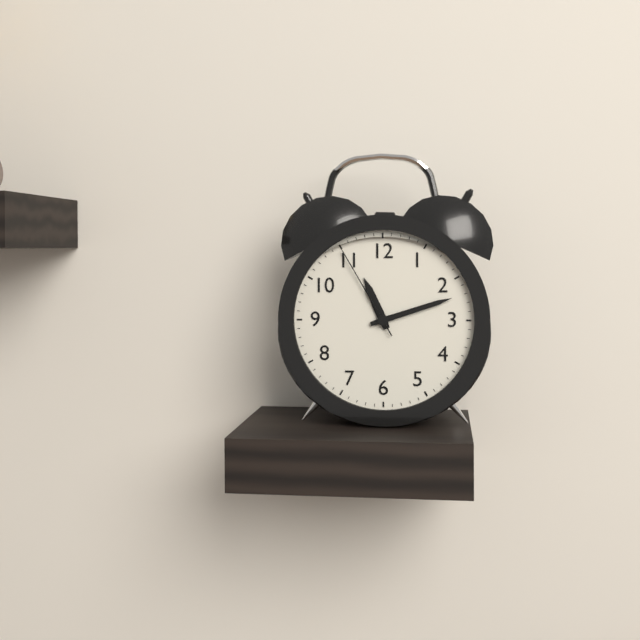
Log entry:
11h12m55s
